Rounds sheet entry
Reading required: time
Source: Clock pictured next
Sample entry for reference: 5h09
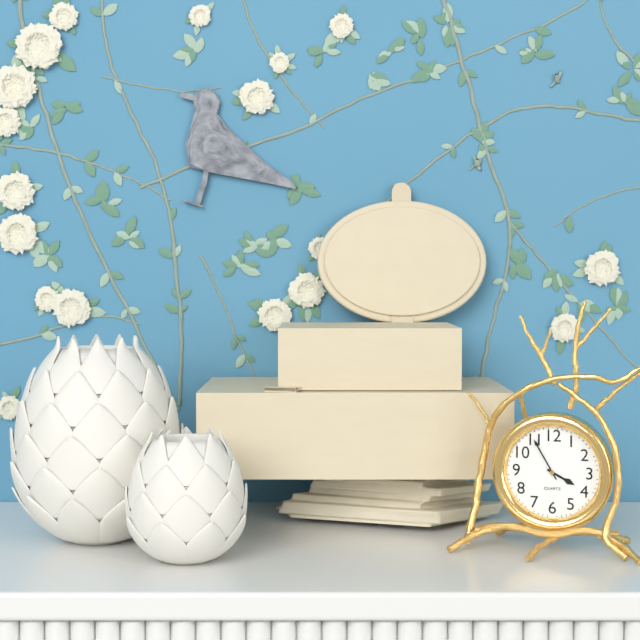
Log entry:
3h55
